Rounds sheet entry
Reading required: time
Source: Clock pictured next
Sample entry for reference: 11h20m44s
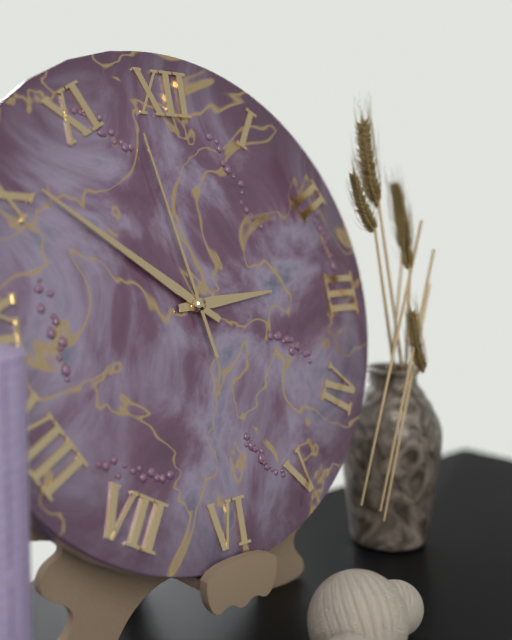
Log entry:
2h51m58s
